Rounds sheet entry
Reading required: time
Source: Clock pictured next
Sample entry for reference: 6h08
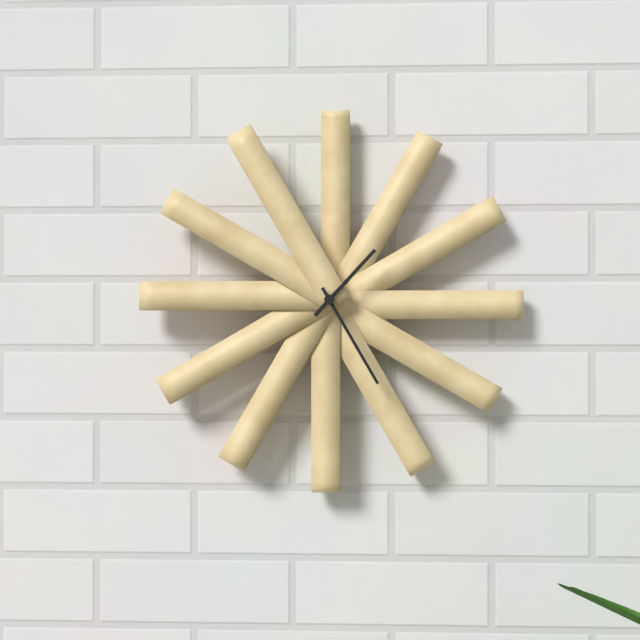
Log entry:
1h25
